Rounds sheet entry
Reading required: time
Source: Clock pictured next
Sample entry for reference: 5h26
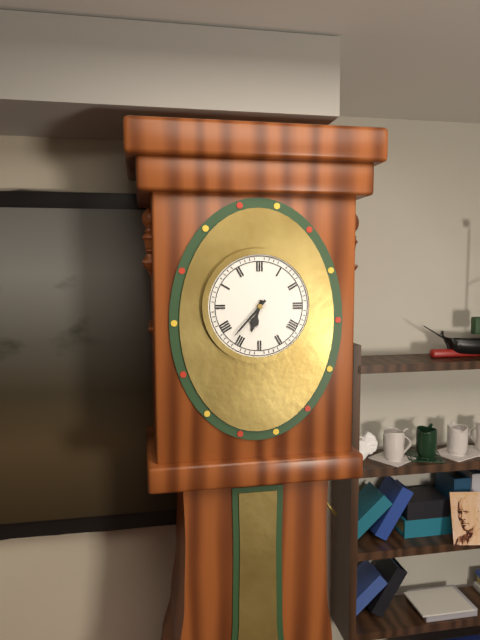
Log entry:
6h37
